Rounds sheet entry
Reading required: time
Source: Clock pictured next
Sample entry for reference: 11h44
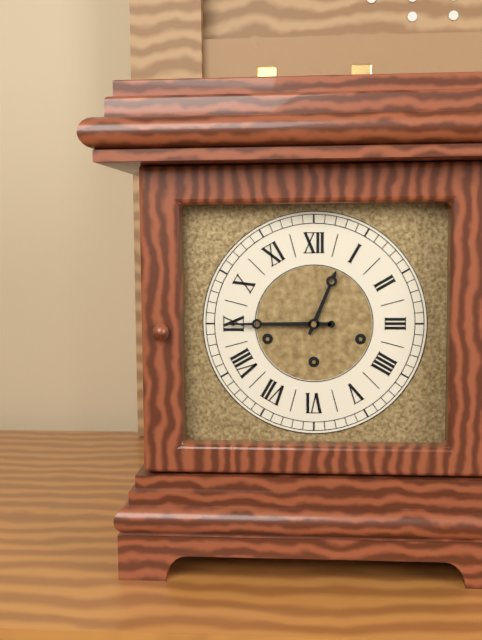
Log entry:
12h45
